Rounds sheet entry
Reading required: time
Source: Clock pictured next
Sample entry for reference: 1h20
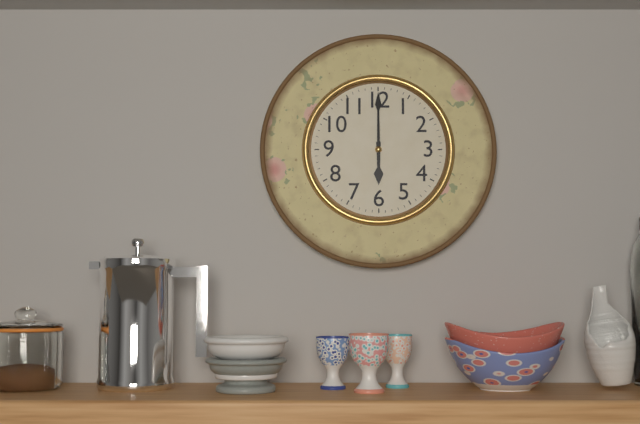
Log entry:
6h00
